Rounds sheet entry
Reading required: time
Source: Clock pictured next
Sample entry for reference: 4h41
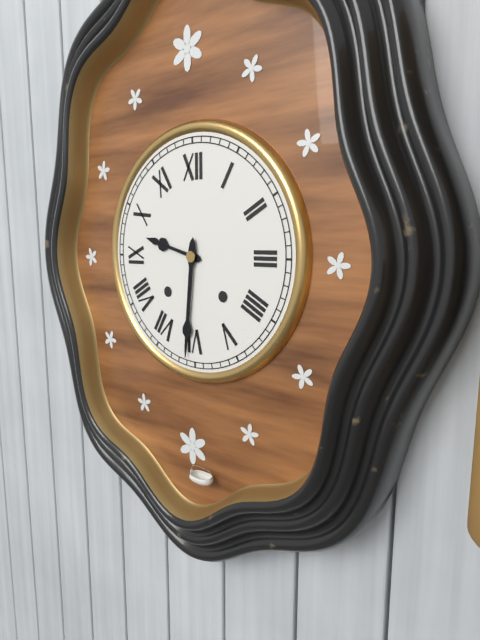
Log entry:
9h31
